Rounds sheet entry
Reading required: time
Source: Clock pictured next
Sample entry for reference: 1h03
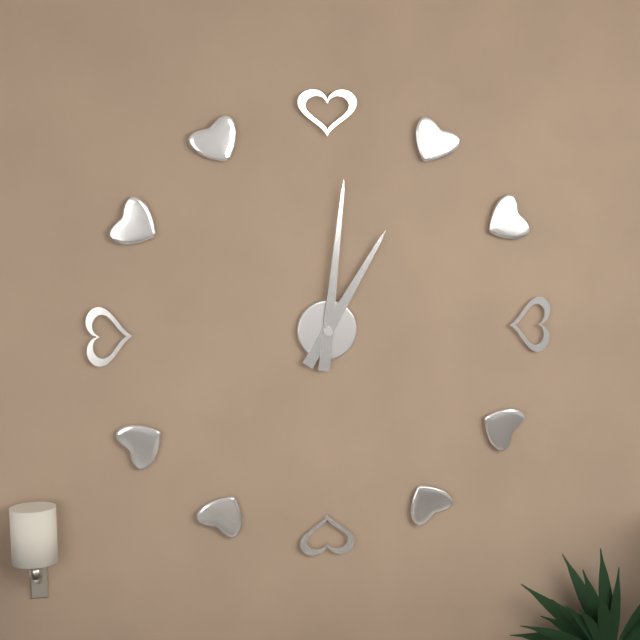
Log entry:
1h01
